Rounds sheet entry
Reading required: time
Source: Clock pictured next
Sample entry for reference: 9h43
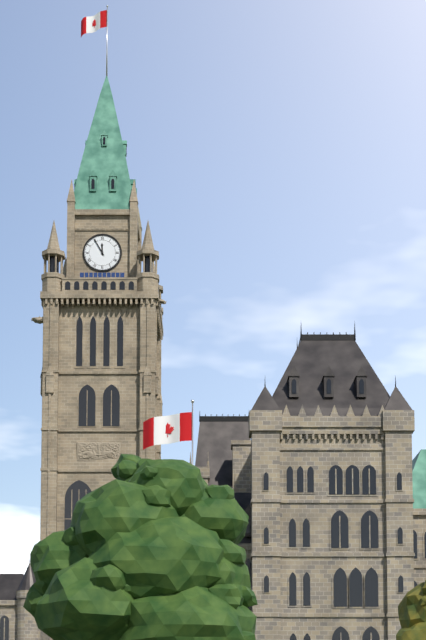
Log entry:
11h55
